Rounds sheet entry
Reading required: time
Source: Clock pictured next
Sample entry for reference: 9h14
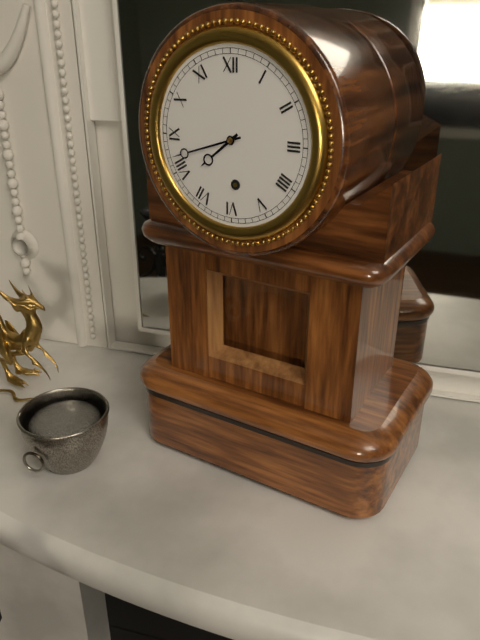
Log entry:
7h42
